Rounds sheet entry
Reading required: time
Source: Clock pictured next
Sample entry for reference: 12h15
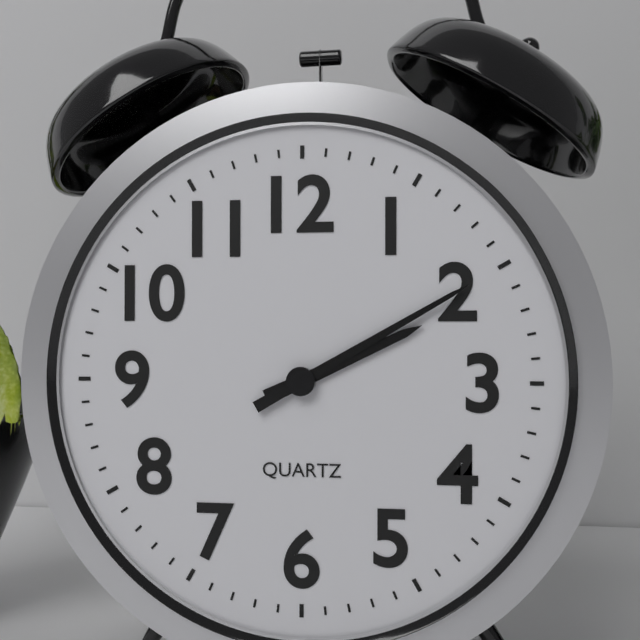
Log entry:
2h10
